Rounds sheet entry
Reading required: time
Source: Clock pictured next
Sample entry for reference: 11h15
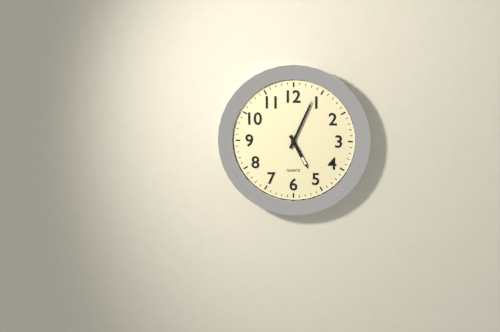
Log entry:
5h04
